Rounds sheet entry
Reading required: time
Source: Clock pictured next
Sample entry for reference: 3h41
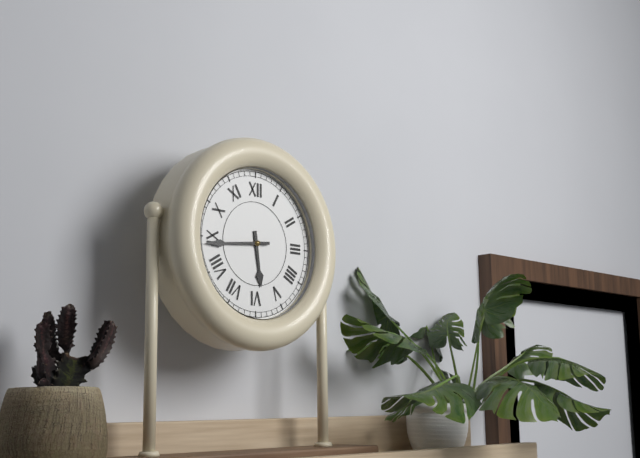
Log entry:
5h44
